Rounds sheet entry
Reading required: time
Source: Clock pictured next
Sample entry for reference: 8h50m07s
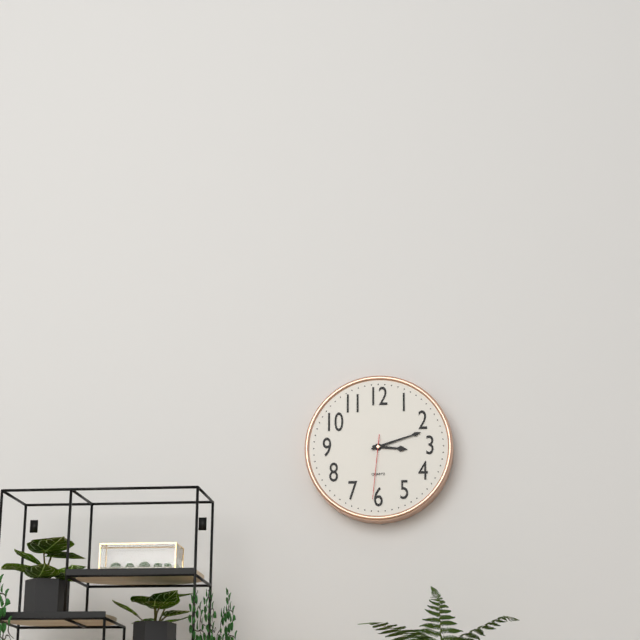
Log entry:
3h12m31s
